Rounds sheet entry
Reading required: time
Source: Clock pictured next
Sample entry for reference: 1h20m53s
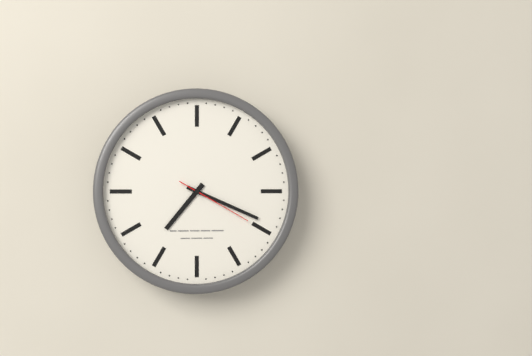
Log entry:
7h19m20s
